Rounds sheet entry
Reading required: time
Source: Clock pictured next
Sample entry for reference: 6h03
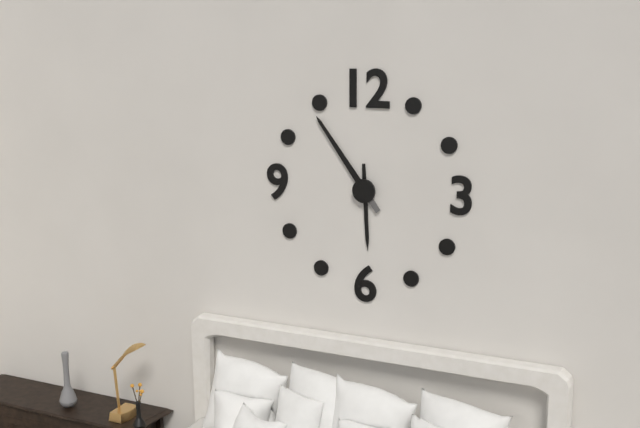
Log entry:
5h54
